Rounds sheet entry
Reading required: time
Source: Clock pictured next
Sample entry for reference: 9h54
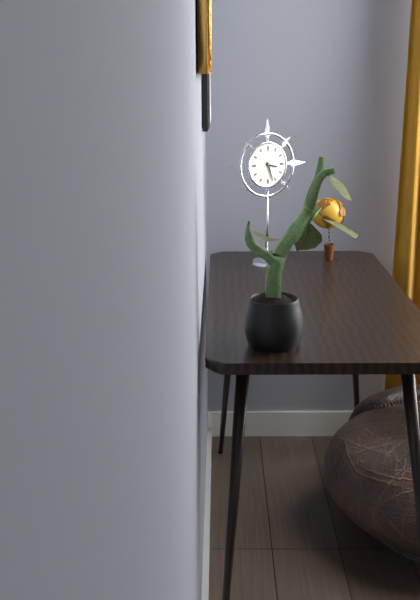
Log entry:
3h27
